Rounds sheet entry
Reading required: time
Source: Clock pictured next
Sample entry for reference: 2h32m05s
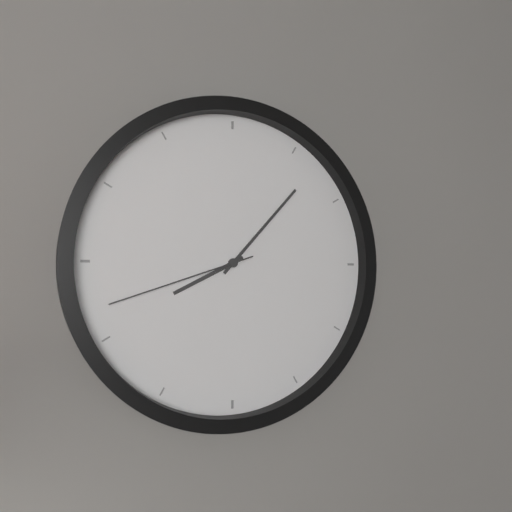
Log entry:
8h07m42s
